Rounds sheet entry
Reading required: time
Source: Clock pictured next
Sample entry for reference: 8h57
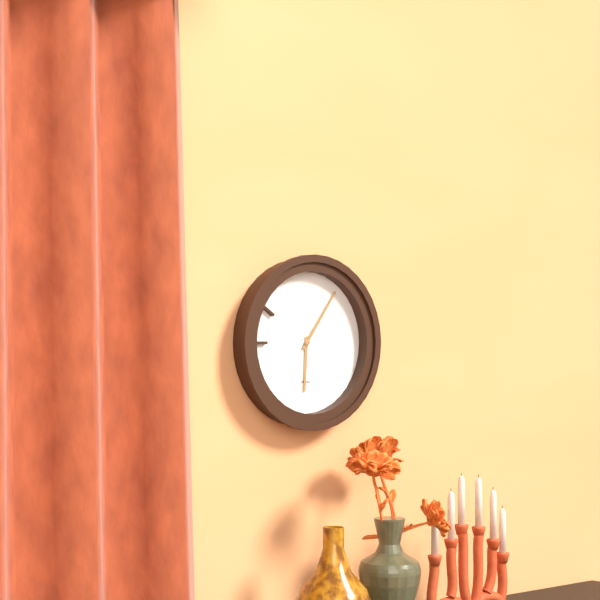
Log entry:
6h06
